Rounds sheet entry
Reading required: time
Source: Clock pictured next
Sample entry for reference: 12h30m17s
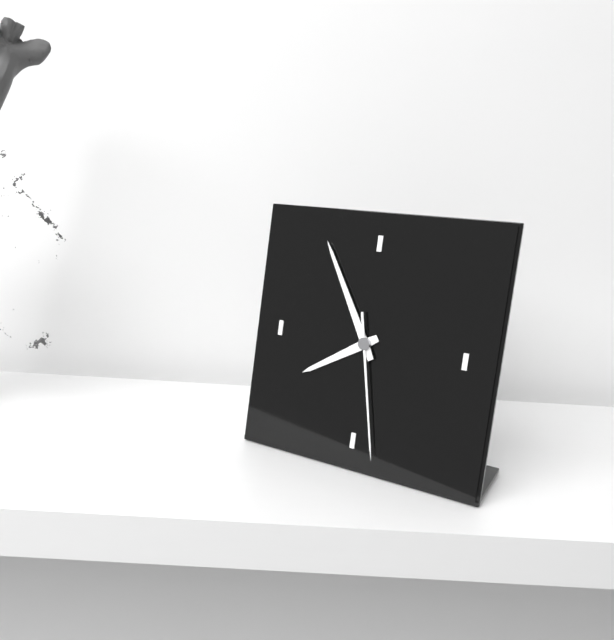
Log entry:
7h55m28s
